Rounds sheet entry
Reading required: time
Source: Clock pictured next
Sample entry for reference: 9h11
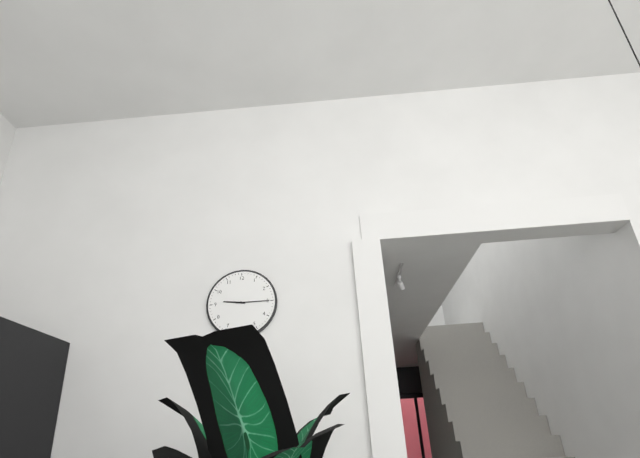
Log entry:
9h15
